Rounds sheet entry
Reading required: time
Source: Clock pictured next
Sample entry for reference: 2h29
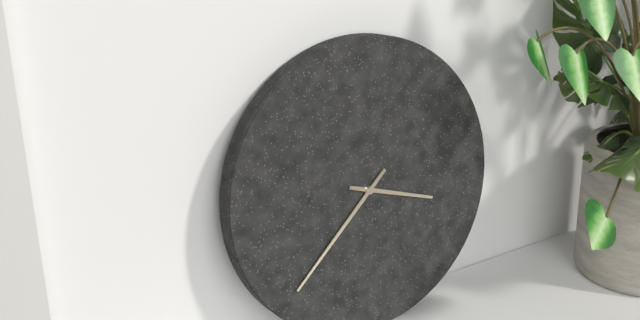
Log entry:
3h38
